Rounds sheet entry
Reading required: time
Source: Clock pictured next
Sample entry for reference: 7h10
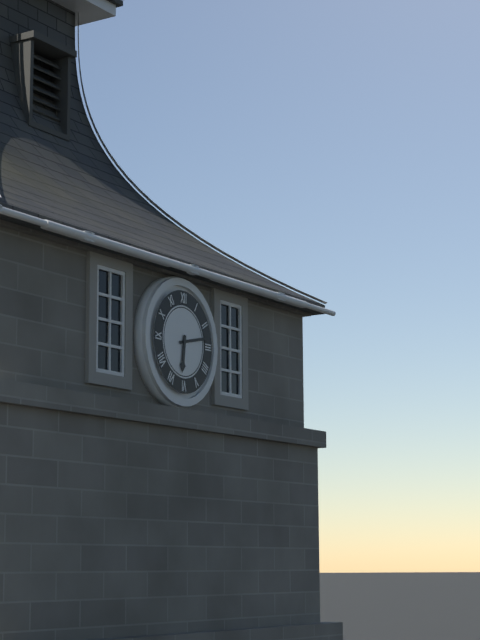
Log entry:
6h13
